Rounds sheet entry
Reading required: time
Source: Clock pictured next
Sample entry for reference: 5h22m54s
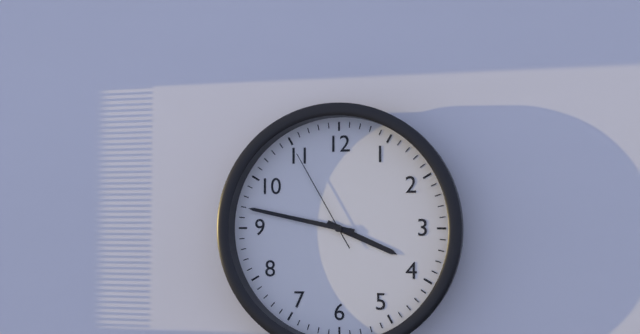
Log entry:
3h47m55s
